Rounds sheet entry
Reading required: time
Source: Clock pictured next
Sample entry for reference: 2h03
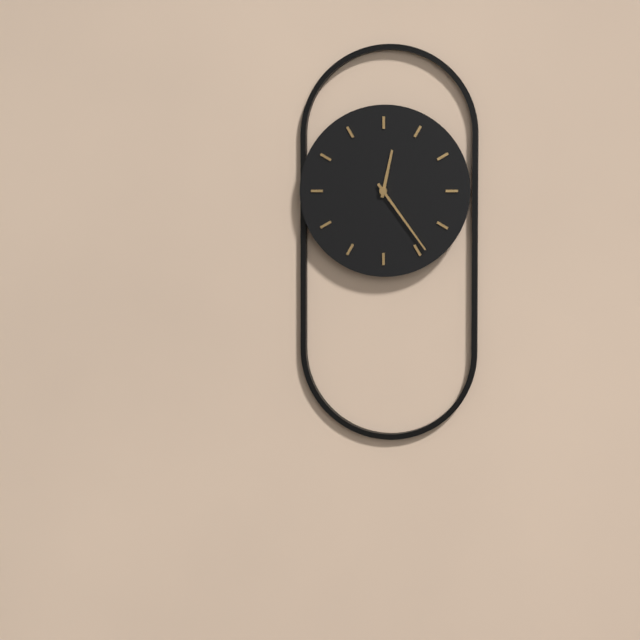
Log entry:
12h24
